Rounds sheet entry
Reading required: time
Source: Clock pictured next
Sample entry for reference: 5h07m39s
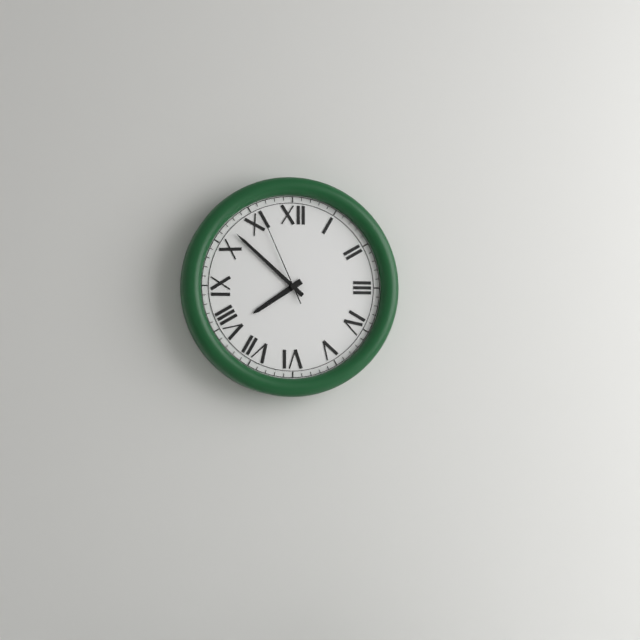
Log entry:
7h52m56s
